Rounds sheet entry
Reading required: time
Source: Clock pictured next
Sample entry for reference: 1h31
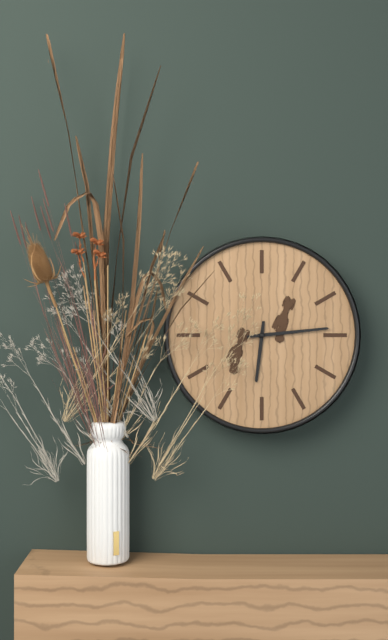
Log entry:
6h14
